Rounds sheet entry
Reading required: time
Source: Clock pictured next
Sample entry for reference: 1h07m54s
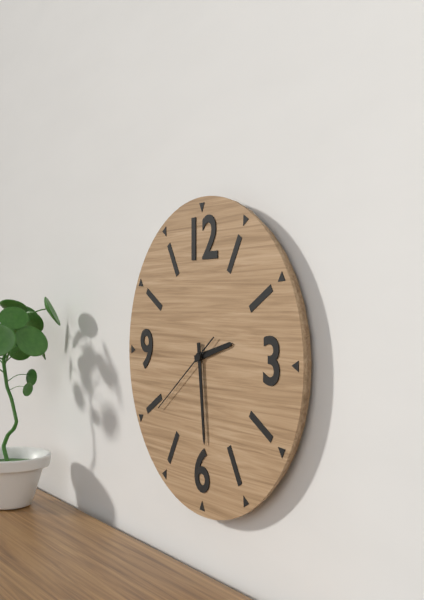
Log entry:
2h29m39s
